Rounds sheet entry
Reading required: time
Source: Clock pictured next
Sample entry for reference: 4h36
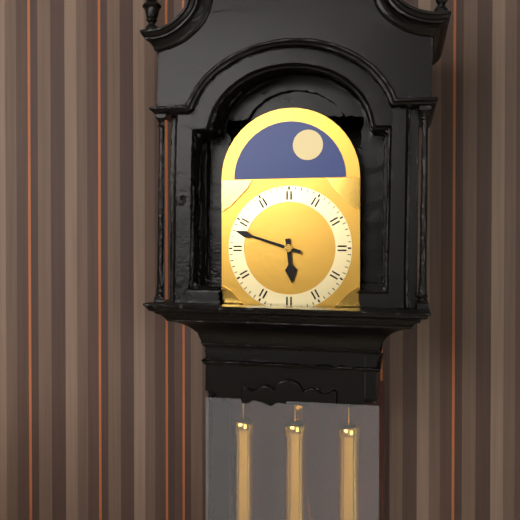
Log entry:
5h48
